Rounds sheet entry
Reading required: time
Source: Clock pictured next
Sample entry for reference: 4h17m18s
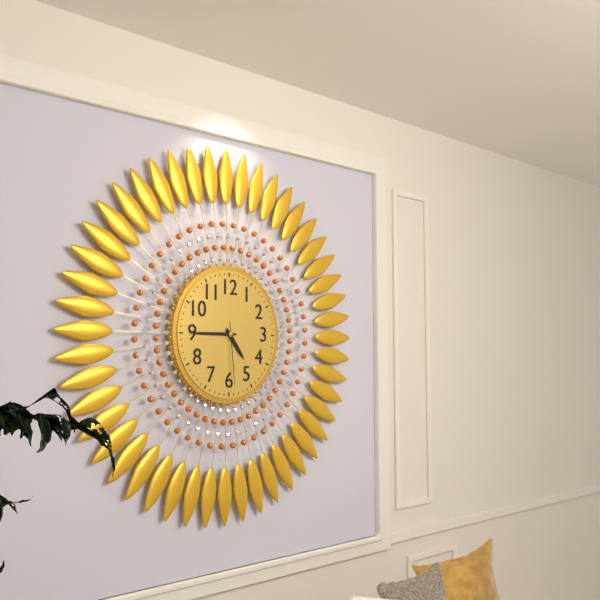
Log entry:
4h45m29s
